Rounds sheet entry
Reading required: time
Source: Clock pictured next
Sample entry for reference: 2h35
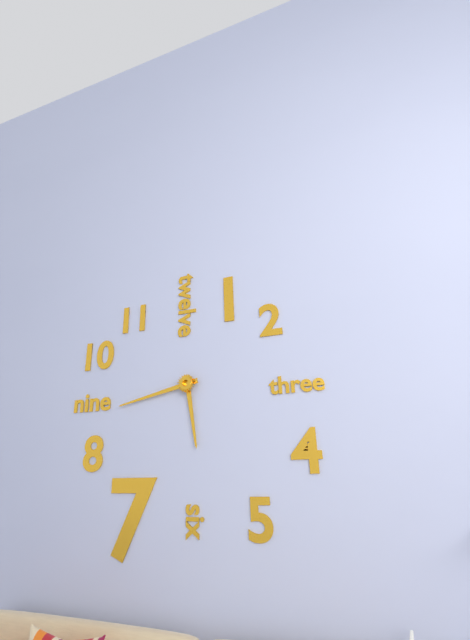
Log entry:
5h43
